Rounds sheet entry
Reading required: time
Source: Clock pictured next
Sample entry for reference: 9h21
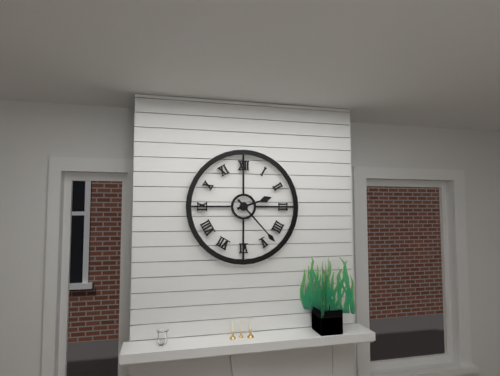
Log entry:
2h23
